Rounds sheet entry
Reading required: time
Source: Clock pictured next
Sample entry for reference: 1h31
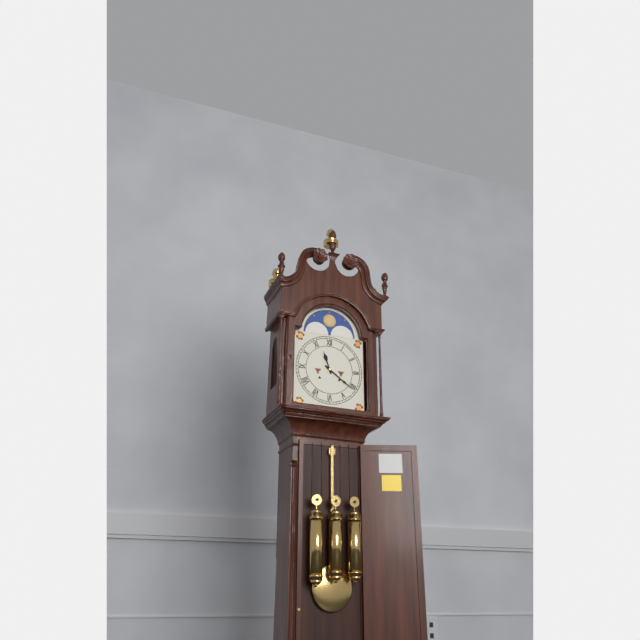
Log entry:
11h21
